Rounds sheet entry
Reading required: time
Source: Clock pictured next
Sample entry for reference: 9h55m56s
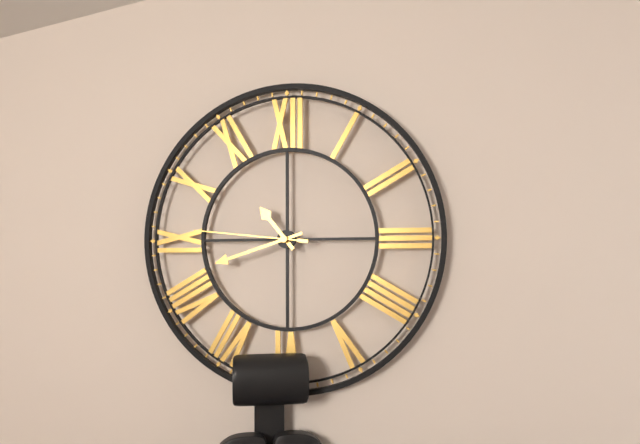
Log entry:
10h42m46s
